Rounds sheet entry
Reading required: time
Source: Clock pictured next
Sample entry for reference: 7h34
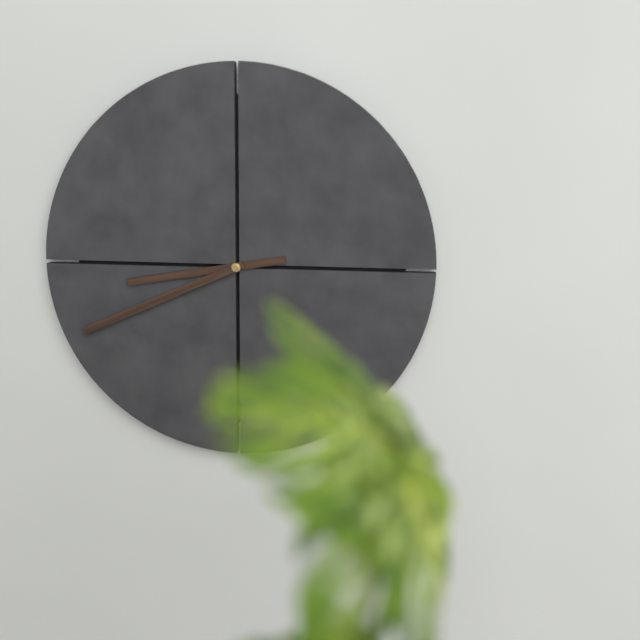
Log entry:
8h41
